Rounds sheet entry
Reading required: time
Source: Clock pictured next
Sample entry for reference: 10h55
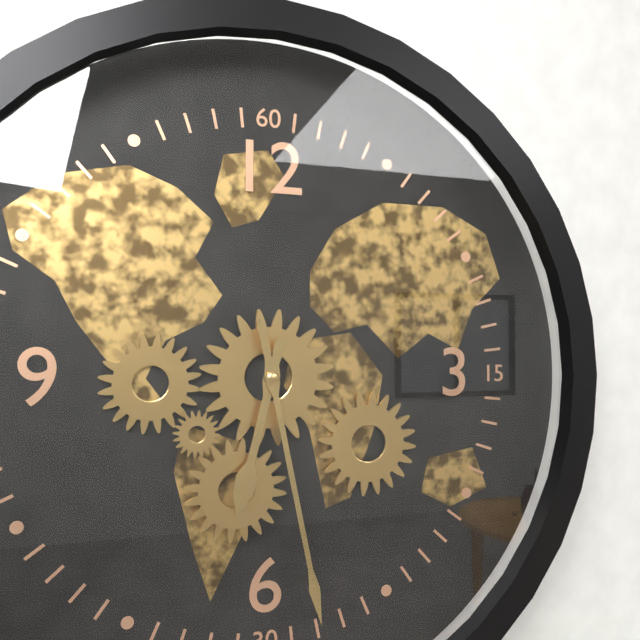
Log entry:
6h28
